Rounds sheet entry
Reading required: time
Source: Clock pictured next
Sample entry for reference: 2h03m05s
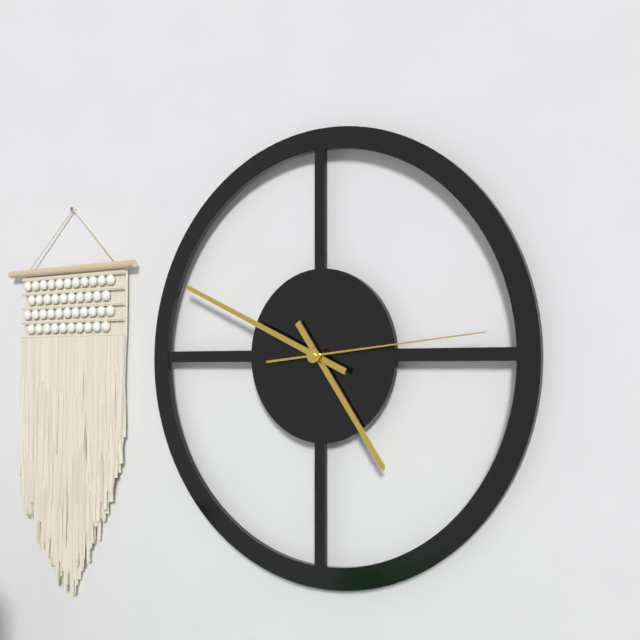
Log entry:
4h49m14s
